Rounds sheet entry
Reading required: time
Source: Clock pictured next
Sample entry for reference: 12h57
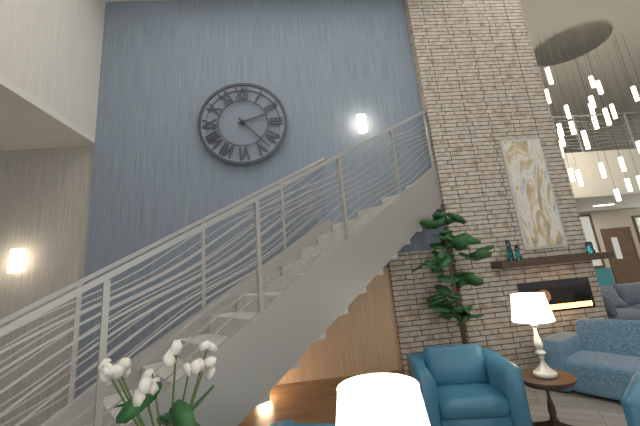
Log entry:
2h23
